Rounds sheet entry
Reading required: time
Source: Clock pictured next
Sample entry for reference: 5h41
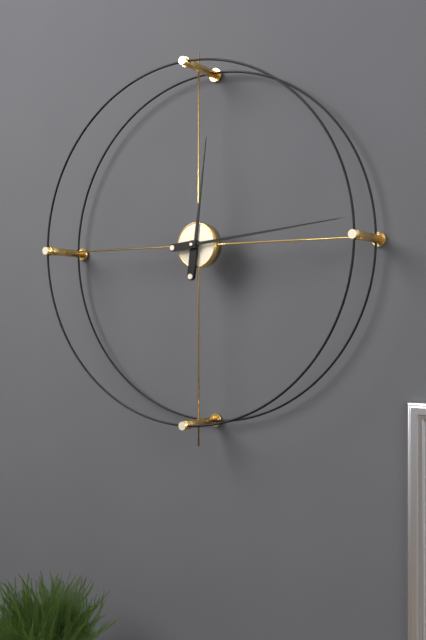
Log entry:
12h14
